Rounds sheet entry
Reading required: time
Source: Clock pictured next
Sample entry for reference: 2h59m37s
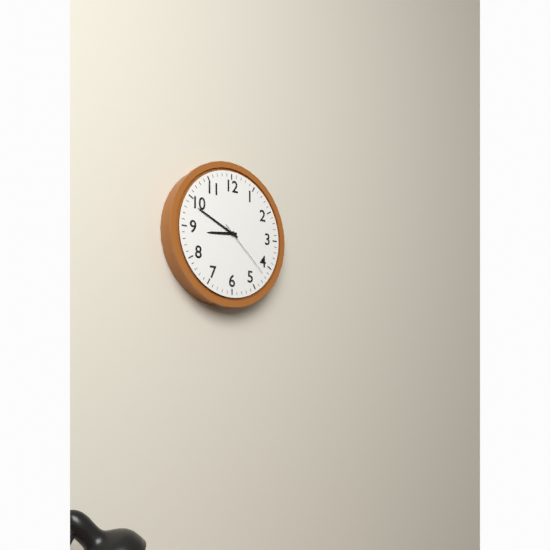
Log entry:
8h49m22s
